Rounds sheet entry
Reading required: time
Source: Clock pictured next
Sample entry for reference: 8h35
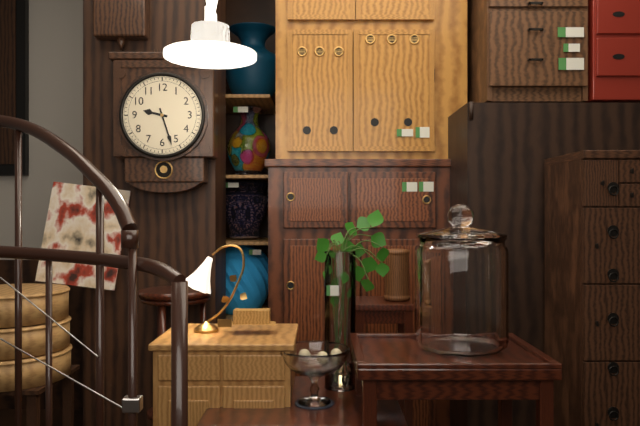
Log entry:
9h27
